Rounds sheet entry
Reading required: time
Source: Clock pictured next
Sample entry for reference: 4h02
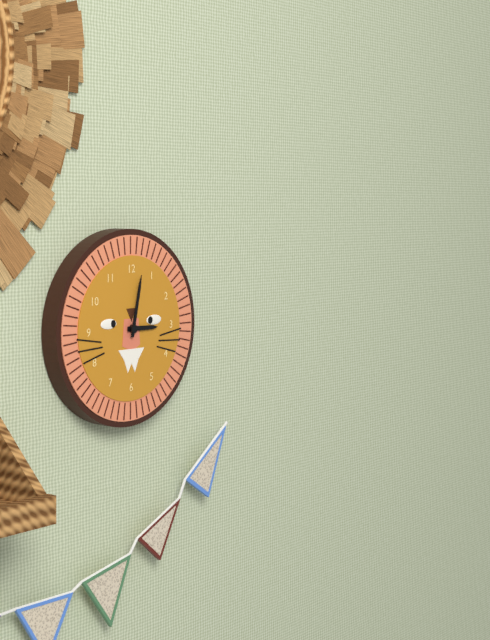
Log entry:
3h02
